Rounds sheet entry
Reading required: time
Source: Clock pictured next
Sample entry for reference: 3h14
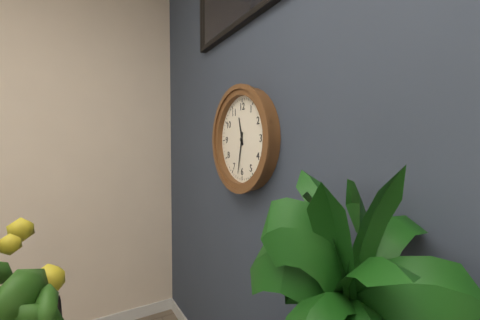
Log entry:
11h32
